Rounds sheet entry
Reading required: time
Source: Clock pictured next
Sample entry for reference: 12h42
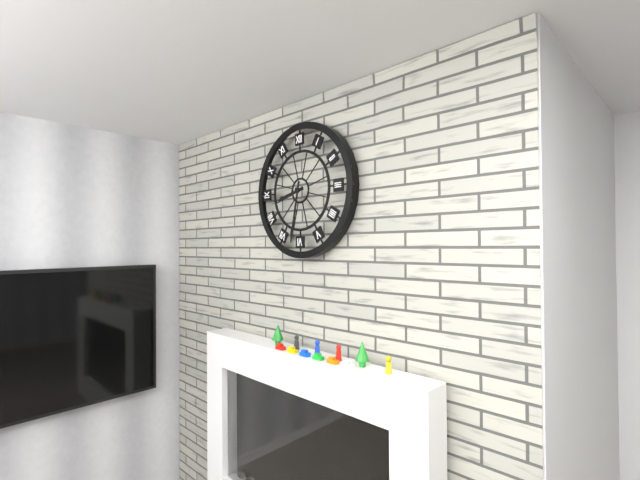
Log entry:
8h32
